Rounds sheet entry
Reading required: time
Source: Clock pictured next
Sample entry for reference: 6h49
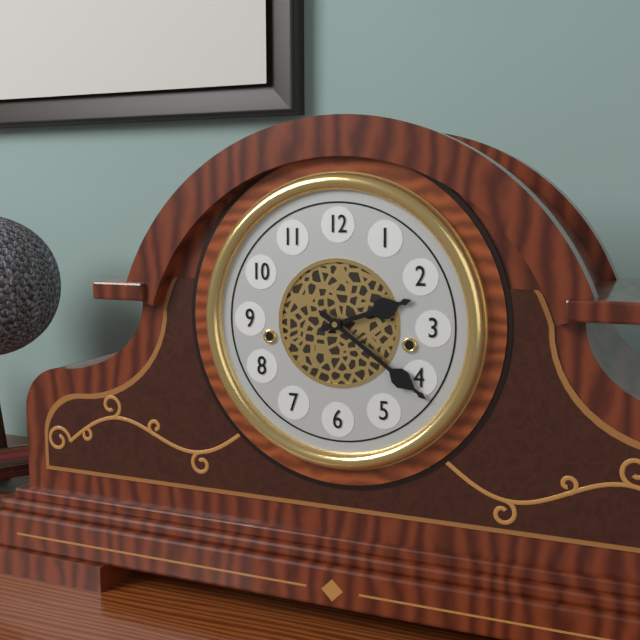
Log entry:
2h21
